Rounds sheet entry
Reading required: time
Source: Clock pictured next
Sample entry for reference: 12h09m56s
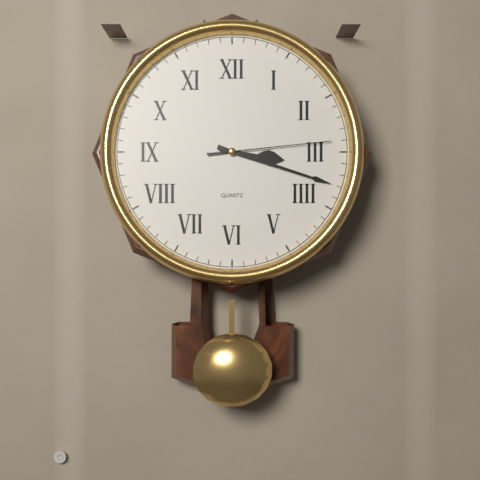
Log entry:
3h18m14s
